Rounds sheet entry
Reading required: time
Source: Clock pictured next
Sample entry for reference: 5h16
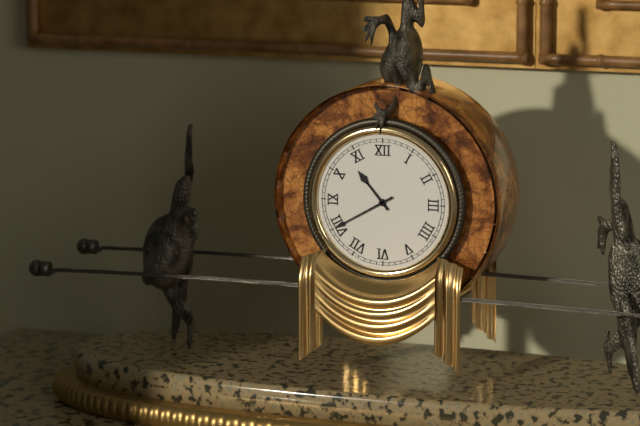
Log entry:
10h40
